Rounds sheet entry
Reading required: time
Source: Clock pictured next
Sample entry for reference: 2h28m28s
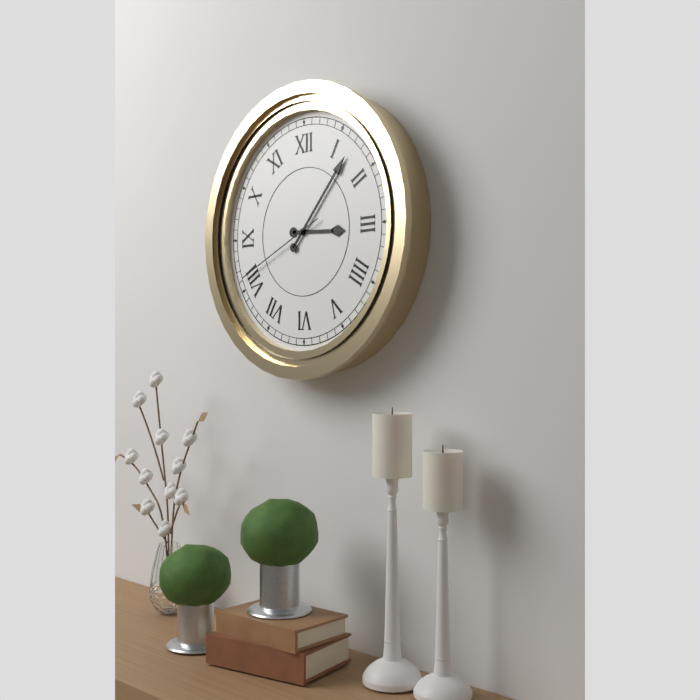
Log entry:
3h07m41s
